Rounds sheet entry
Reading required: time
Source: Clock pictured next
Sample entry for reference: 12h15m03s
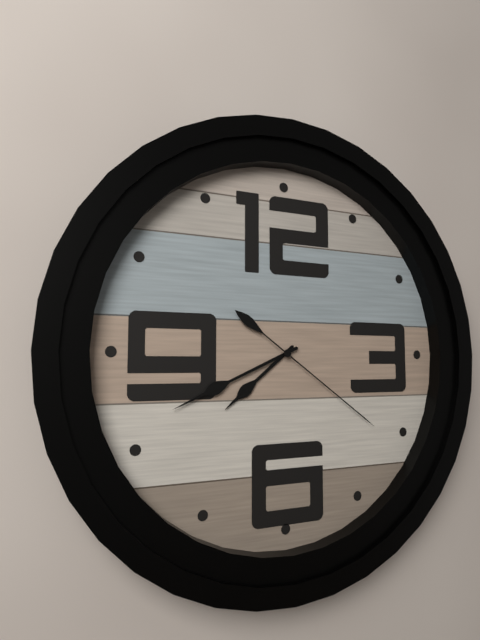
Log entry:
7h41m21s
